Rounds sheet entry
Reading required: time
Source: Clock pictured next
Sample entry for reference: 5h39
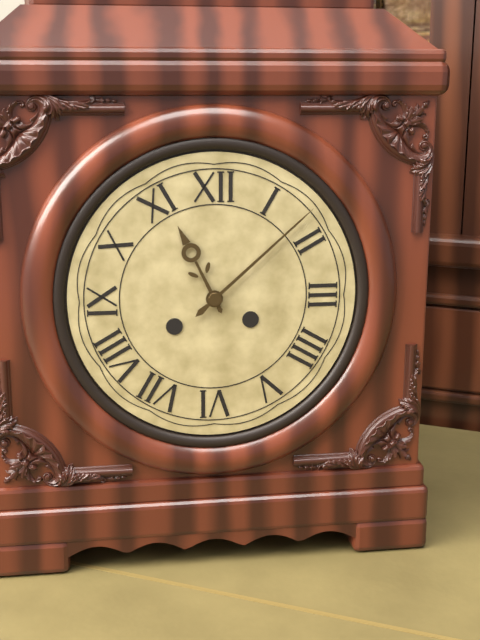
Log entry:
11h08
